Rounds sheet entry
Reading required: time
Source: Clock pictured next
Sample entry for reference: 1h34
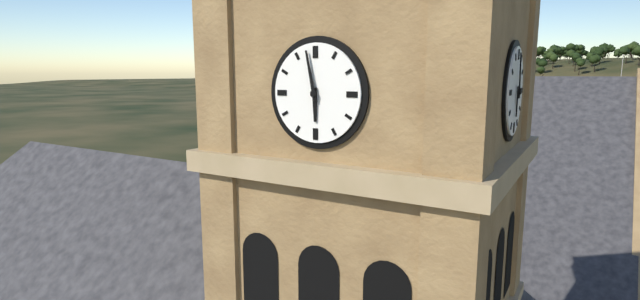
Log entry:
5h58
